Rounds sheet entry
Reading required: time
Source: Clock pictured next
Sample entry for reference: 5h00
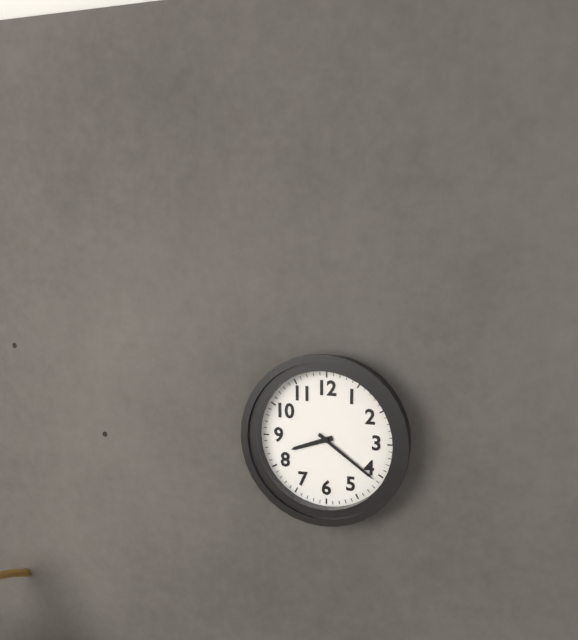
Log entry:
8h21
